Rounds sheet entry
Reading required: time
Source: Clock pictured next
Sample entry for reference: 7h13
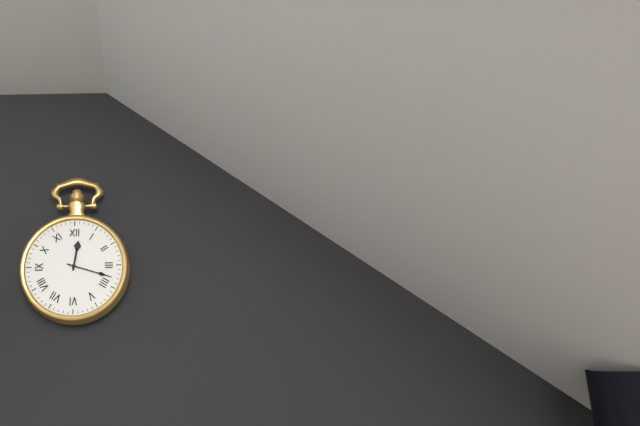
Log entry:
12h18
